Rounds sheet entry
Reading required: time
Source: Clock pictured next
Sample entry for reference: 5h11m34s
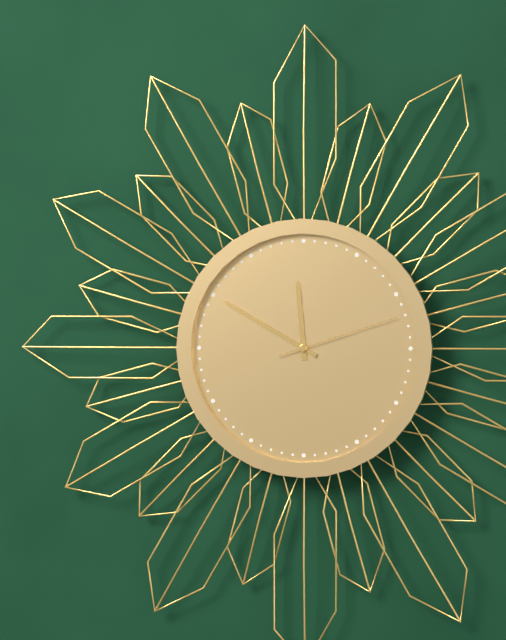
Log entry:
11h50m12s
